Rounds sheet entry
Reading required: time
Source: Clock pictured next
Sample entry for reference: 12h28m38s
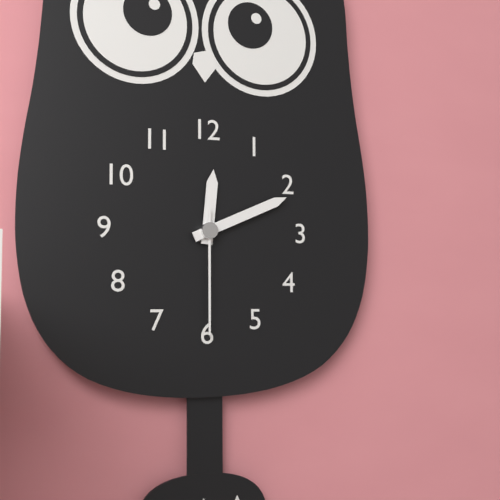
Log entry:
12h11m30s
